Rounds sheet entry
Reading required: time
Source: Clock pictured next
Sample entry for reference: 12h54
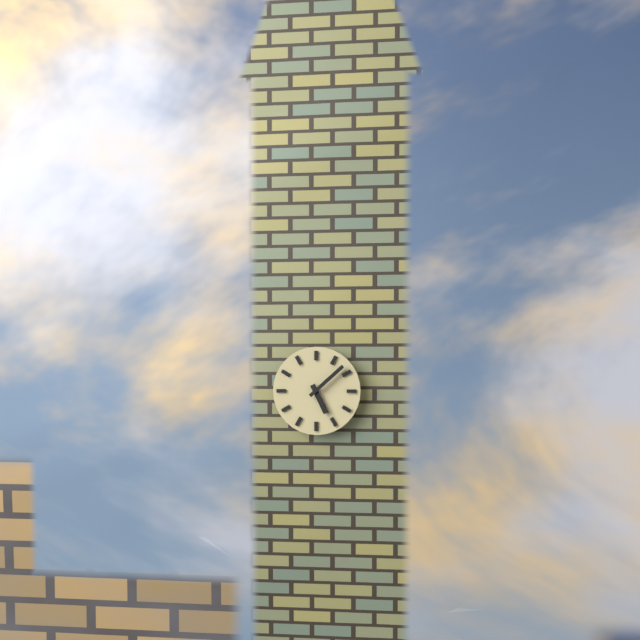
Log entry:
5h08
